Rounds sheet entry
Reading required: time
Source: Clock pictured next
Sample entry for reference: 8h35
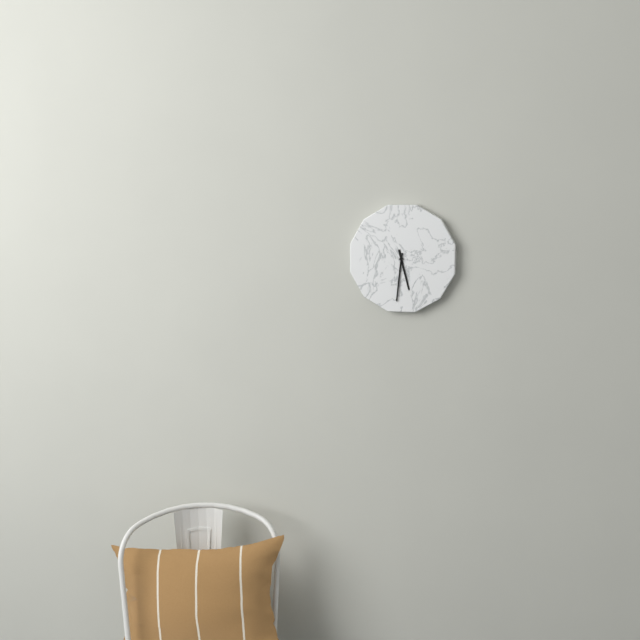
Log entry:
5h31
